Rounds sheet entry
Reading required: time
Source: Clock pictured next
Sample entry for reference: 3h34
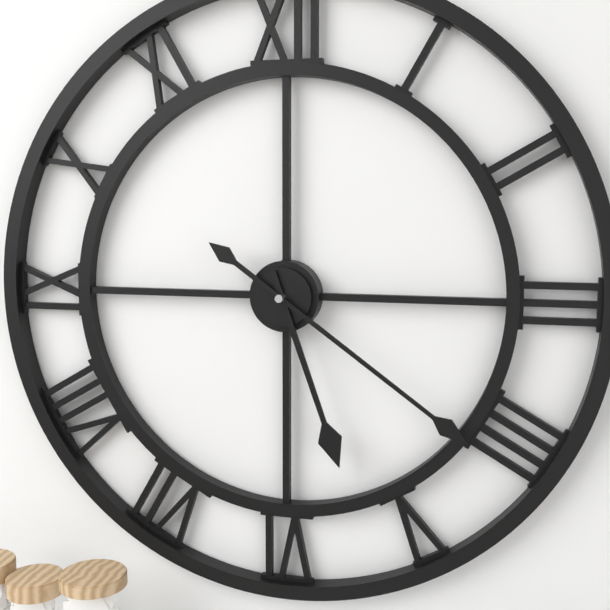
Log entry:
5h21
